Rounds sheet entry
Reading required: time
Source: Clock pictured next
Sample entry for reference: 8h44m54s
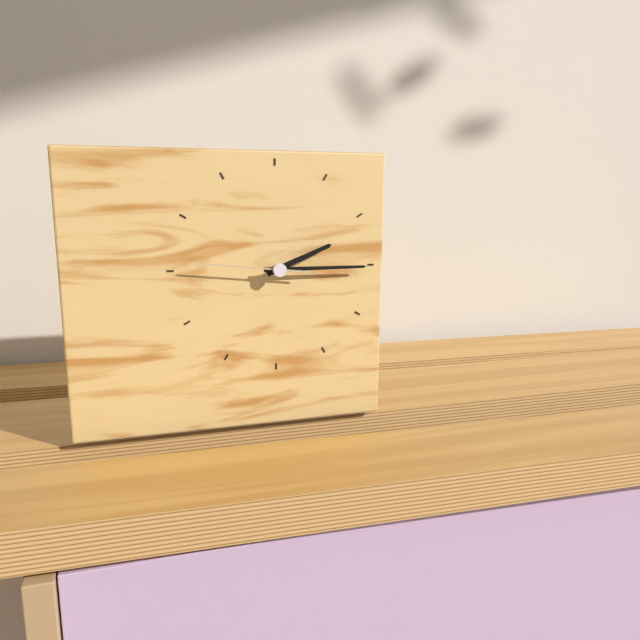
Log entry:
2h15m46s
